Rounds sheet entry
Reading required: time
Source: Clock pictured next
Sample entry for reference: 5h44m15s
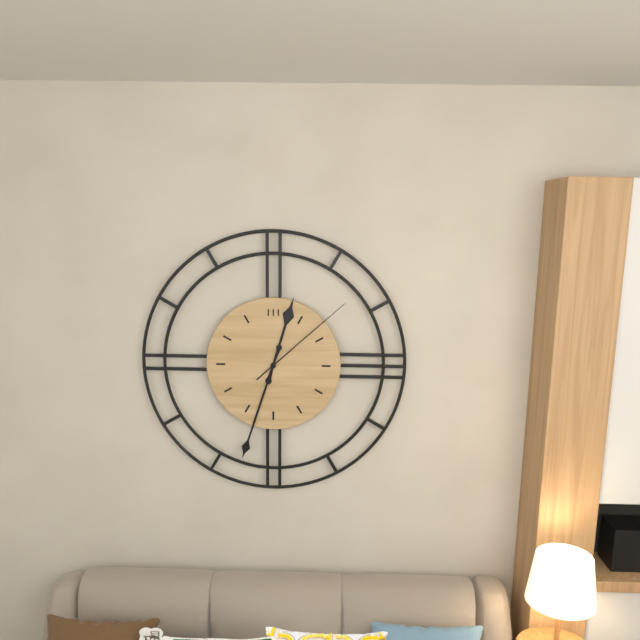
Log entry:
12h33m08s
